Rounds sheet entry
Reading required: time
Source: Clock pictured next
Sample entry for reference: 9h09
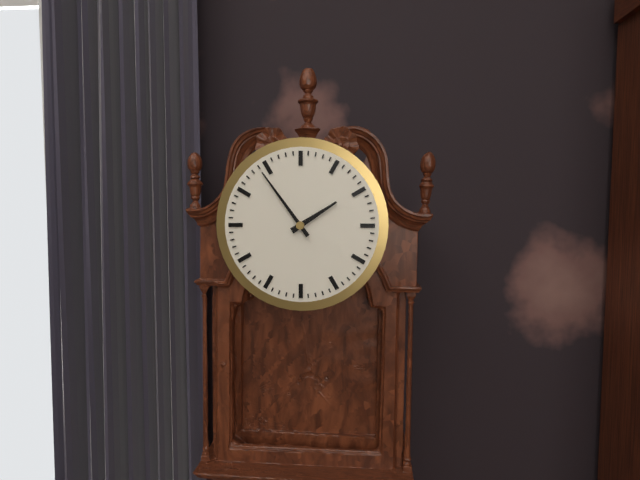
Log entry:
1h54
